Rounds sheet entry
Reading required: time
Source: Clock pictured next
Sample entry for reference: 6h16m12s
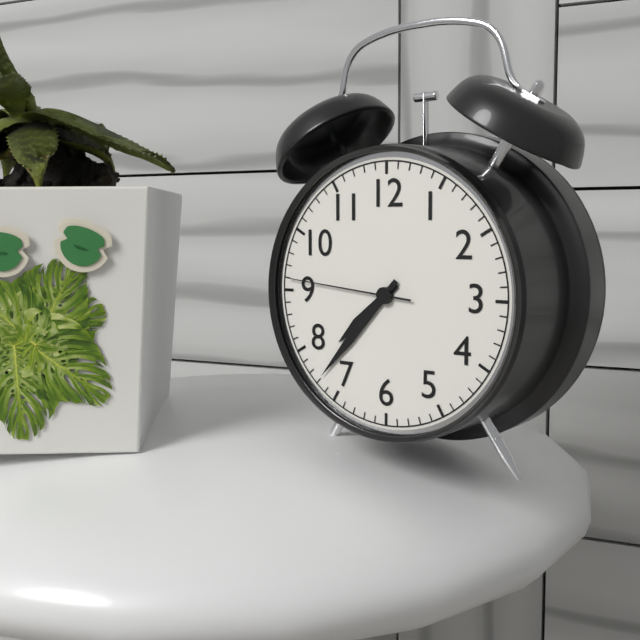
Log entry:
7h37m46s
